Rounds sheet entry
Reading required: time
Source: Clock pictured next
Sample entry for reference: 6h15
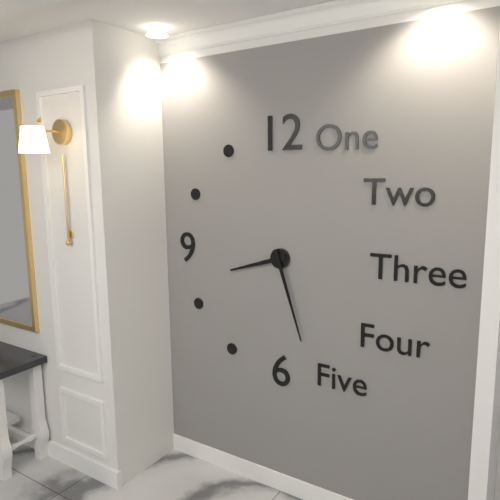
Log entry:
8h27
